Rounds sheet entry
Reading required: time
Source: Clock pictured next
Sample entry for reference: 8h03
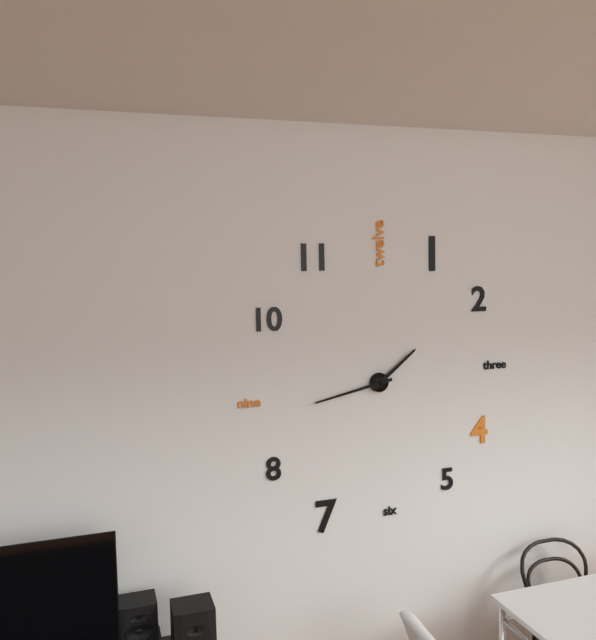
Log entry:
1h43
